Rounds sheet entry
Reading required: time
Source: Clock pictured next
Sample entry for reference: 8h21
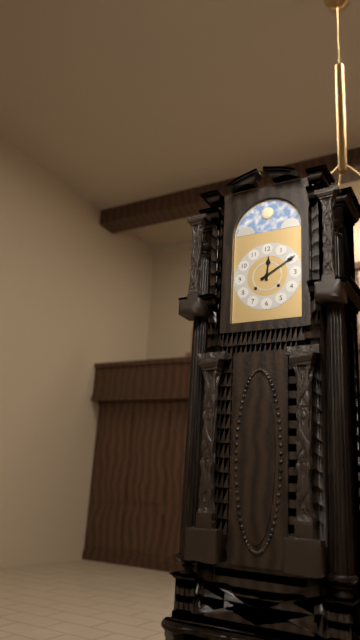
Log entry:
12h10
